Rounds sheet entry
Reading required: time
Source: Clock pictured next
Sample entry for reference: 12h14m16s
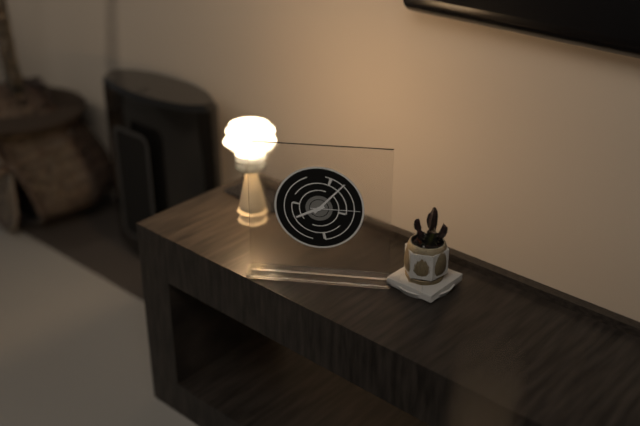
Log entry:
8h07m15s
